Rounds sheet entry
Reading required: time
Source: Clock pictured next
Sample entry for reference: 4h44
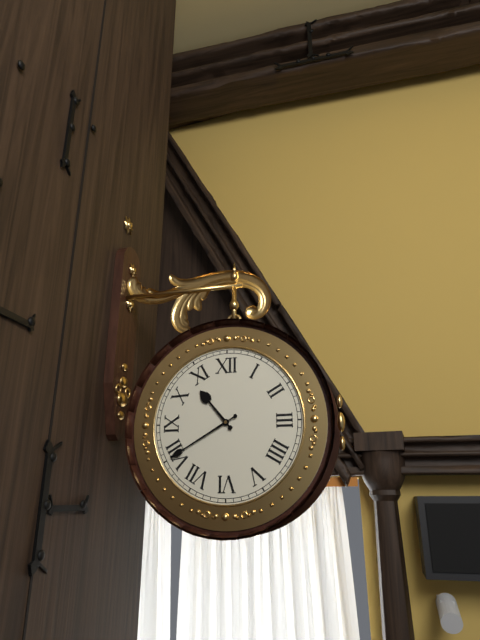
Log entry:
10h40
